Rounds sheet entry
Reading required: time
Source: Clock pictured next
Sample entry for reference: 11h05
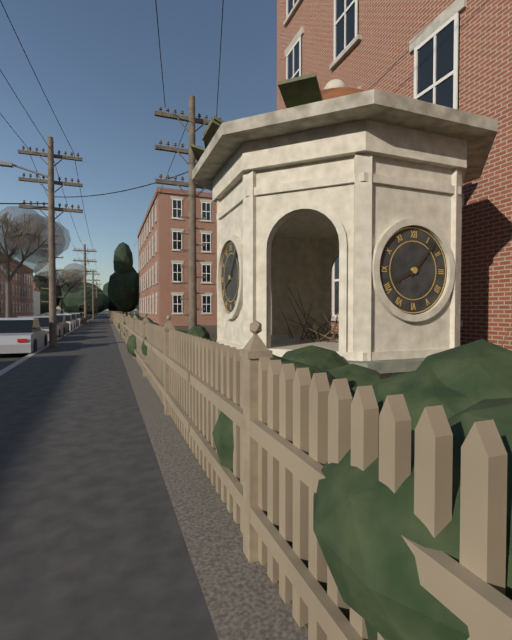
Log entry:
8h07
